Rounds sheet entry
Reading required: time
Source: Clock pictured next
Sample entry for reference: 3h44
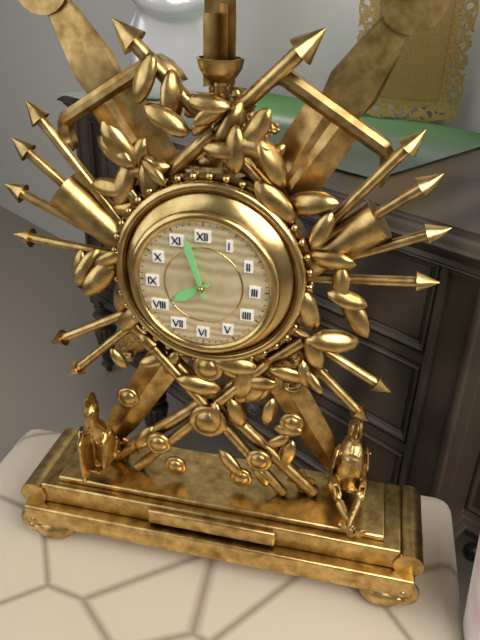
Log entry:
7h57
